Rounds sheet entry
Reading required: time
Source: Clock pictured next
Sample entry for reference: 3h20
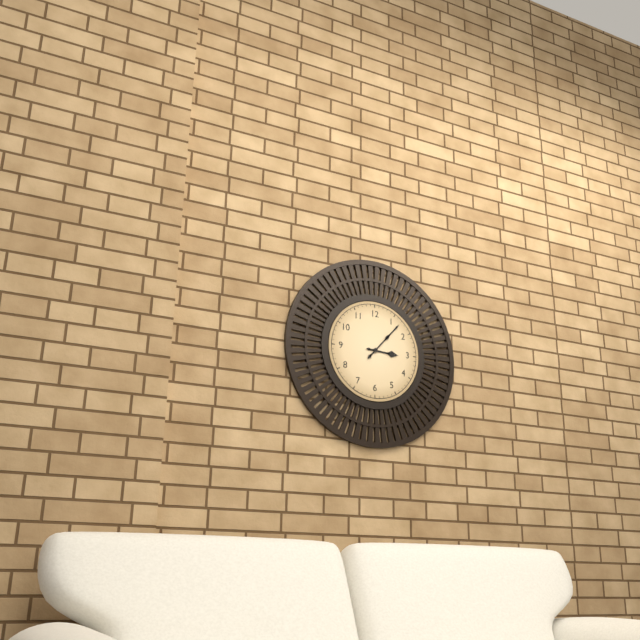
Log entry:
3h07
